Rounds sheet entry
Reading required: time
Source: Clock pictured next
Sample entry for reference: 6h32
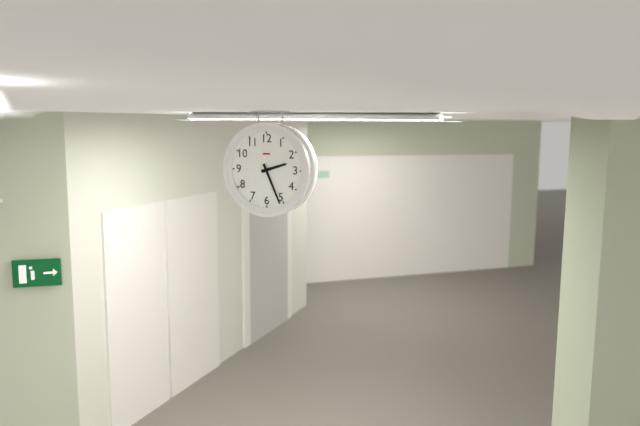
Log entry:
2h26
